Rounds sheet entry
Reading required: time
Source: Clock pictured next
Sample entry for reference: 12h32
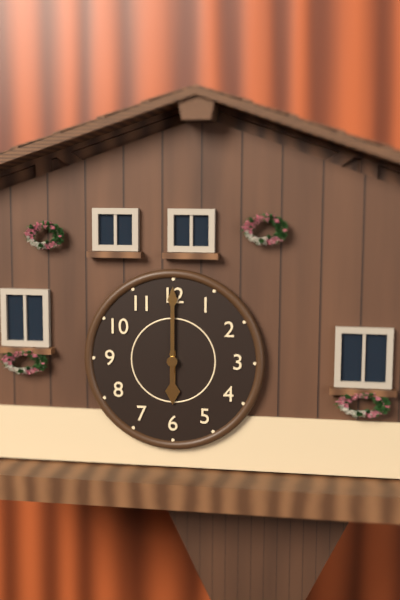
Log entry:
6h00
